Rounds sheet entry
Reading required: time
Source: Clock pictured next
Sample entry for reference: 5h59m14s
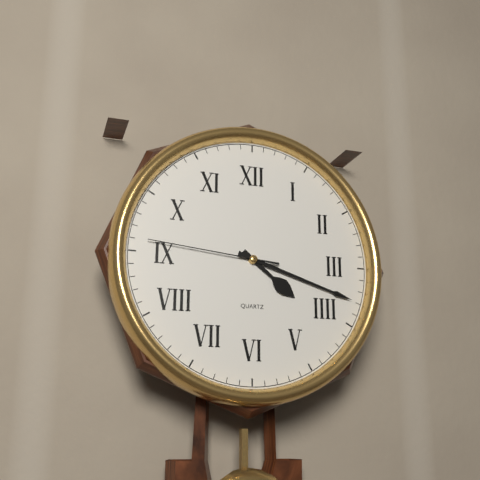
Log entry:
4h18m46s
